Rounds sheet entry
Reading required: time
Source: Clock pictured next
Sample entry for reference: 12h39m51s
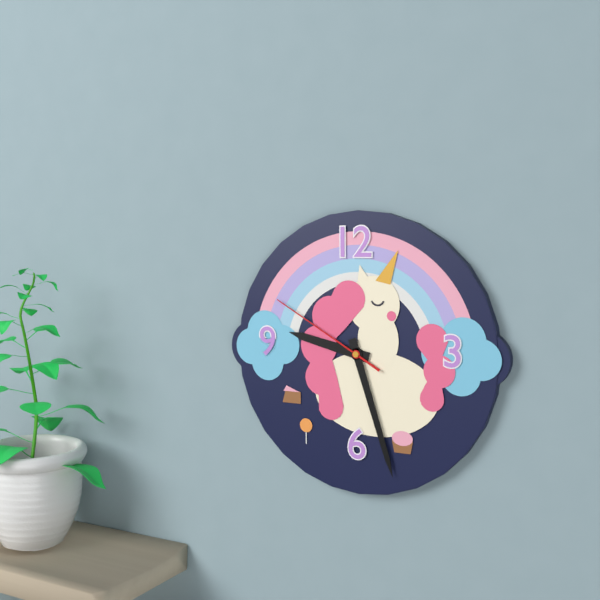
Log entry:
9h27m50s
